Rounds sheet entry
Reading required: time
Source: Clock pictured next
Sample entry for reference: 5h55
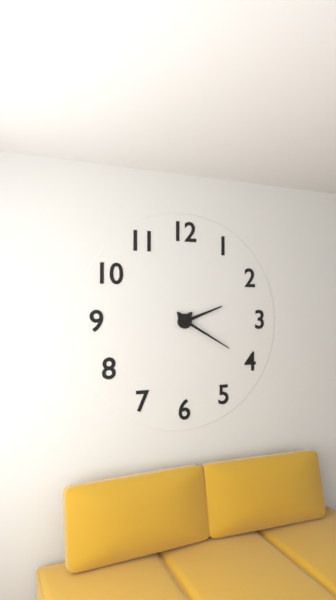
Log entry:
2h20
